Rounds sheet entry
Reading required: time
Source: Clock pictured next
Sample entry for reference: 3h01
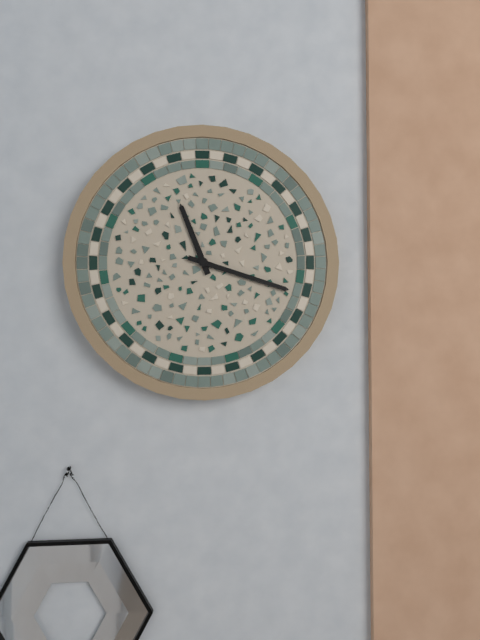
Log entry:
11h18
